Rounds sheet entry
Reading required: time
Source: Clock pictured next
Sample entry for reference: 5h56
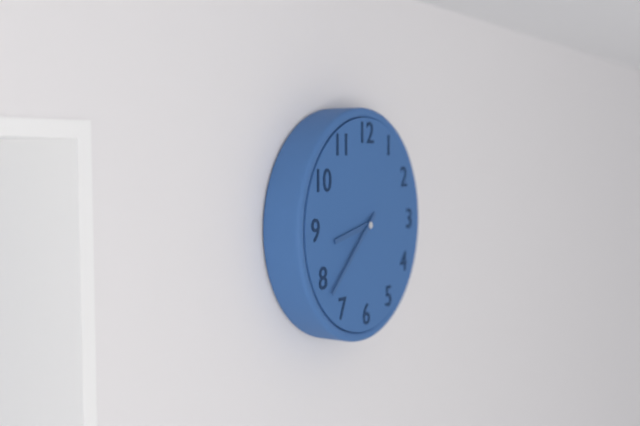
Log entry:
8h38
